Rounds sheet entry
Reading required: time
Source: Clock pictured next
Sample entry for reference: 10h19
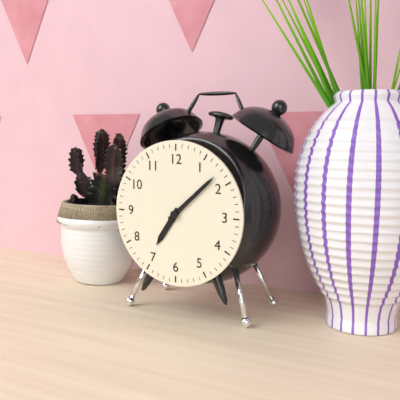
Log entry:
7h08
